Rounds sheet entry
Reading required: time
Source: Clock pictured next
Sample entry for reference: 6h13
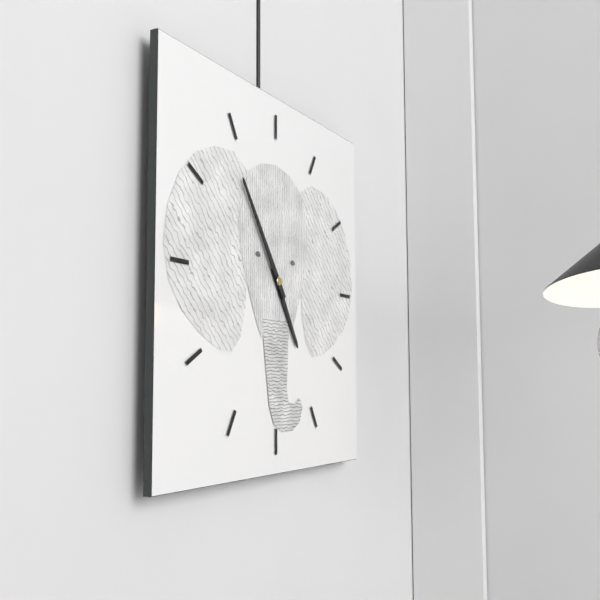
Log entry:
4h54
